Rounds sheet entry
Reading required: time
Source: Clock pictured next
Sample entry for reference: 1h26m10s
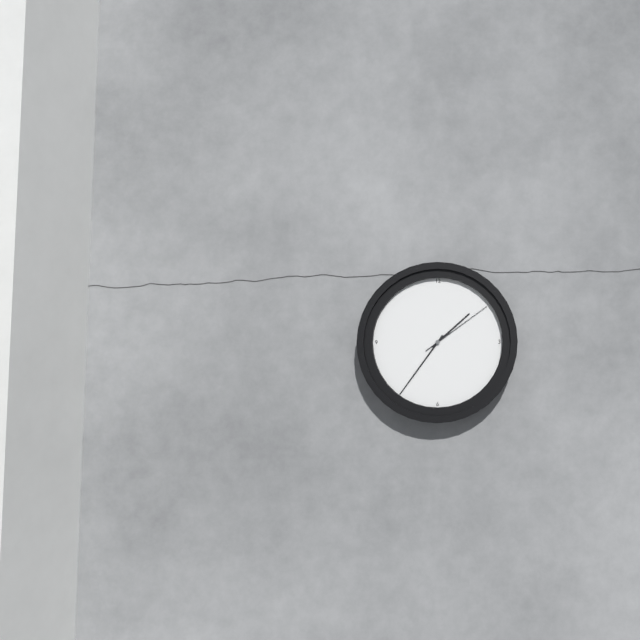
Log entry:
1h36m09s
